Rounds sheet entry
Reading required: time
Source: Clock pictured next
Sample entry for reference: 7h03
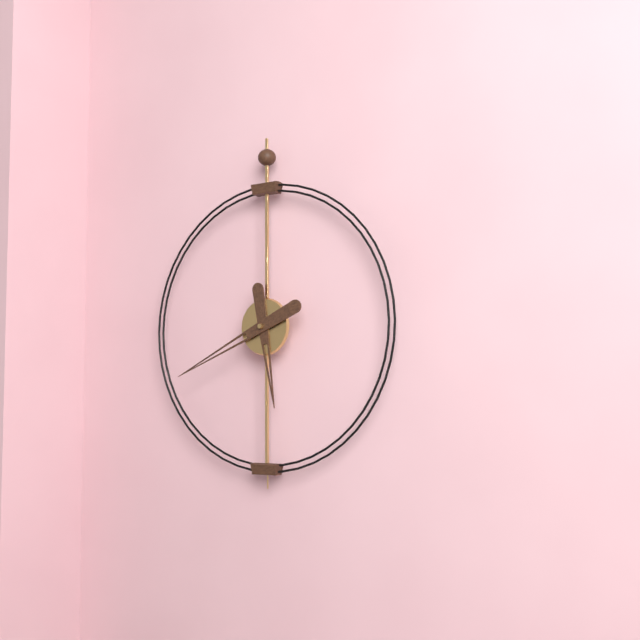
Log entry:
5h41
